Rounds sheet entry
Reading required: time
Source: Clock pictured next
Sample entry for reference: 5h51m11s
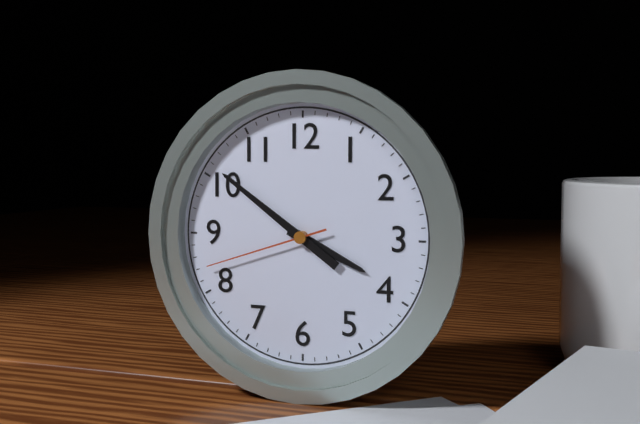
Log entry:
3h51m42s
